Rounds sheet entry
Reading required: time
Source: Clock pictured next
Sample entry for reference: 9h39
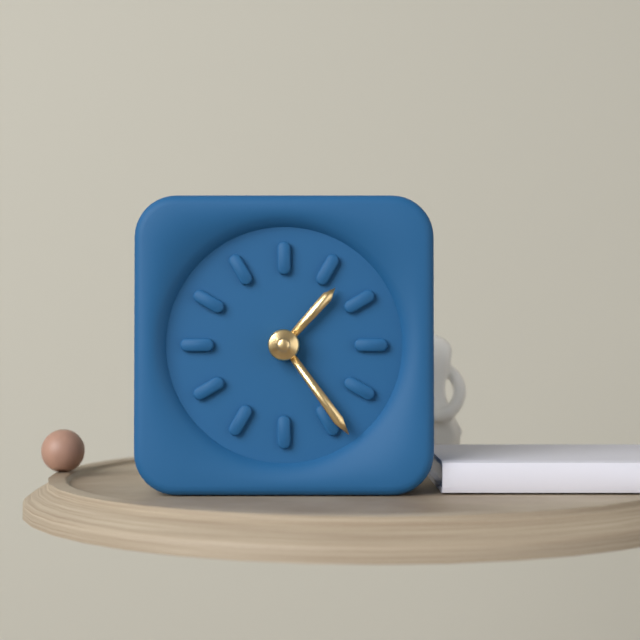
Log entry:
1h24
